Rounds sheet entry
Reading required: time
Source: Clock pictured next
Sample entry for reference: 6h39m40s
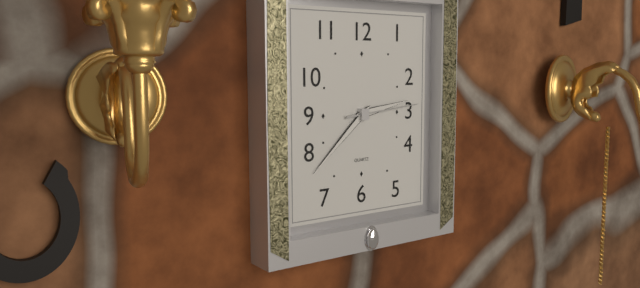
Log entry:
2h38m14s
